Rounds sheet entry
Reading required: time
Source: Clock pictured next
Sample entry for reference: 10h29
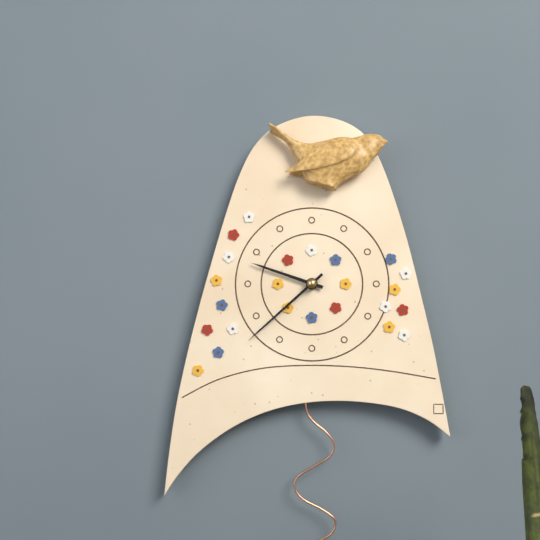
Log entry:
9h38
